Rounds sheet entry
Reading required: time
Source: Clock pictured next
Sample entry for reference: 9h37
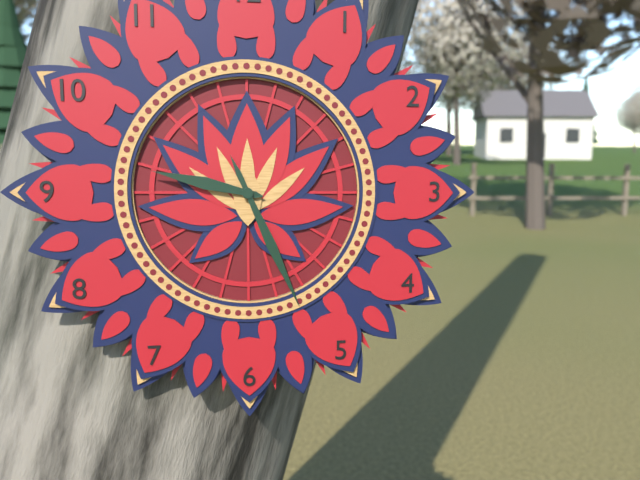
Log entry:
9h26
